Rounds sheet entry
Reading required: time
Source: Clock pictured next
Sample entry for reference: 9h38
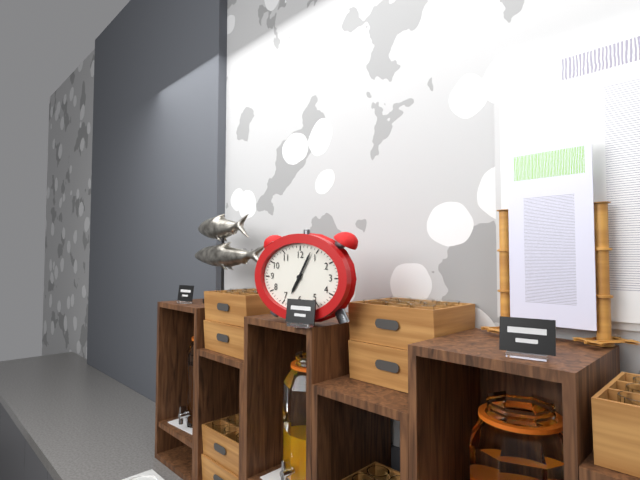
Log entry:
7h05
